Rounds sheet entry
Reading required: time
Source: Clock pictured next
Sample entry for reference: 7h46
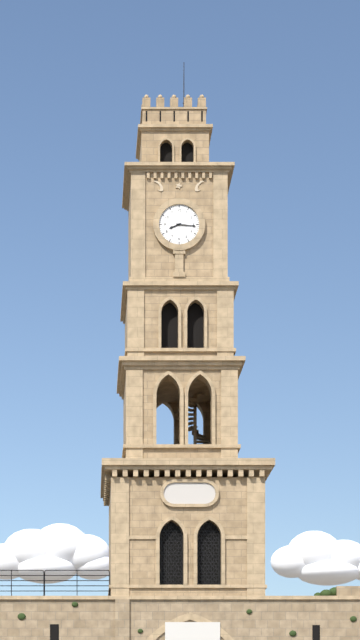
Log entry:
8h16
